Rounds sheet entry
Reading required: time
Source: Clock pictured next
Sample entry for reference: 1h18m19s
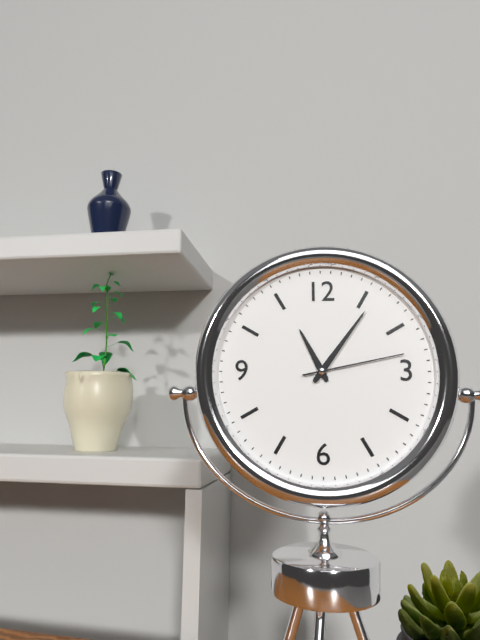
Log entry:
11h06m13s
